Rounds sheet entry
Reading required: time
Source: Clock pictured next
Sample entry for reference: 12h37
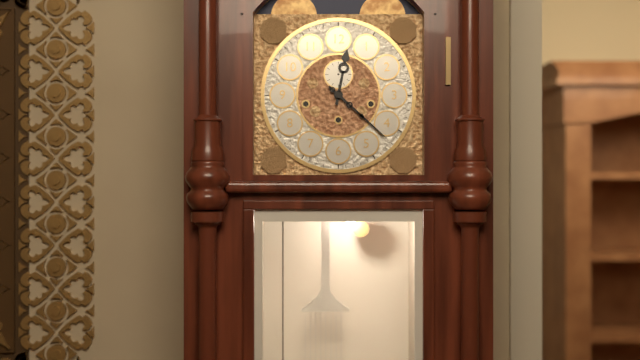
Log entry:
12h22
